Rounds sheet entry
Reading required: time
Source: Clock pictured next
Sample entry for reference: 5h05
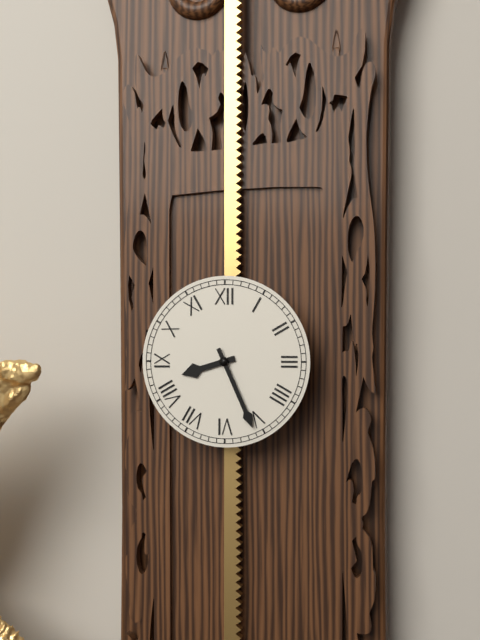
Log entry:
8h26
